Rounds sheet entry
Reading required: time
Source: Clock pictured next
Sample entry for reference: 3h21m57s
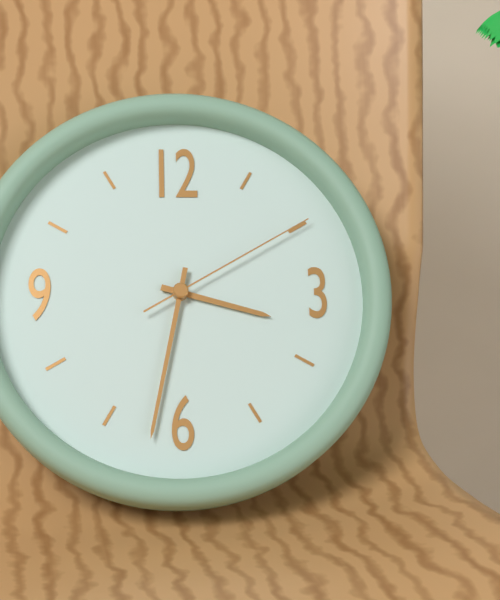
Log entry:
3h32m10s
